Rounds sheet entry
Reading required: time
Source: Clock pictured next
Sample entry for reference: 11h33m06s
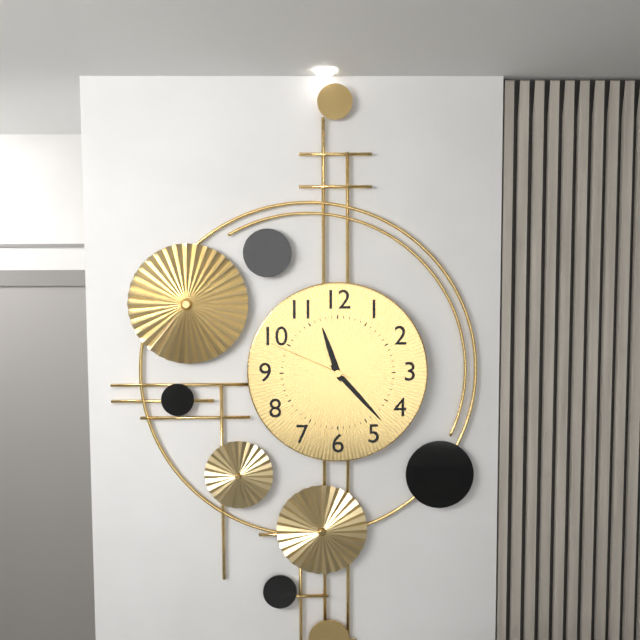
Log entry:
11h23m49s
